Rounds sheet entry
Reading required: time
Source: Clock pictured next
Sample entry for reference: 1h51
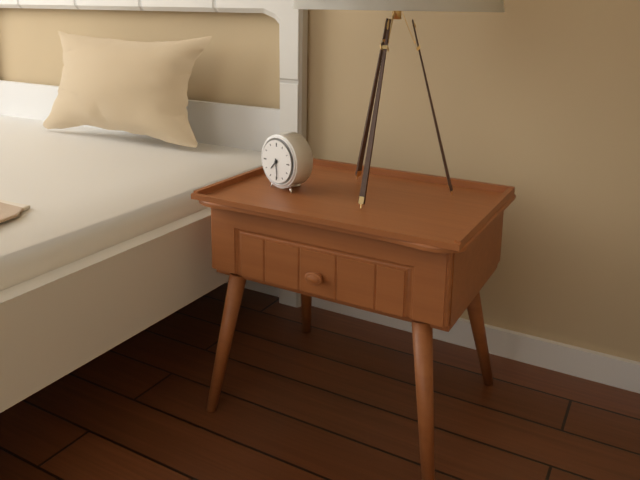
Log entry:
7h29
